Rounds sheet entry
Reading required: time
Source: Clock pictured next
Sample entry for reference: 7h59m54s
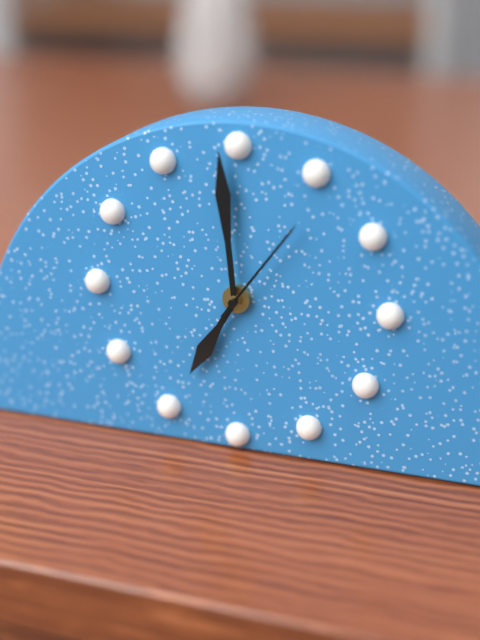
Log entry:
6h59m06s
